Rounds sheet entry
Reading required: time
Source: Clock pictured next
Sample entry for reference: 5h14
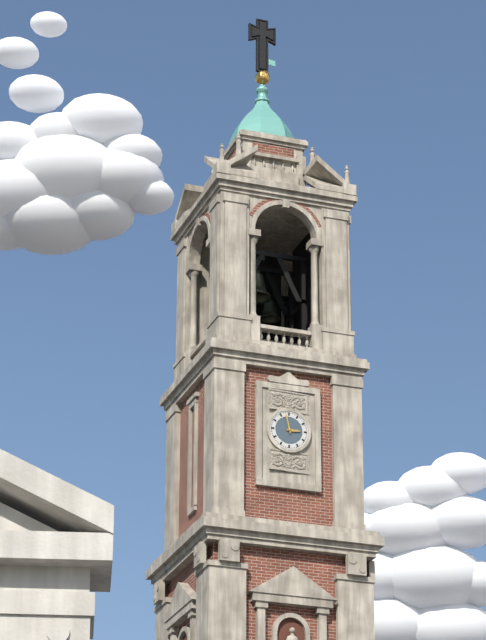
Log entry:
2h58
